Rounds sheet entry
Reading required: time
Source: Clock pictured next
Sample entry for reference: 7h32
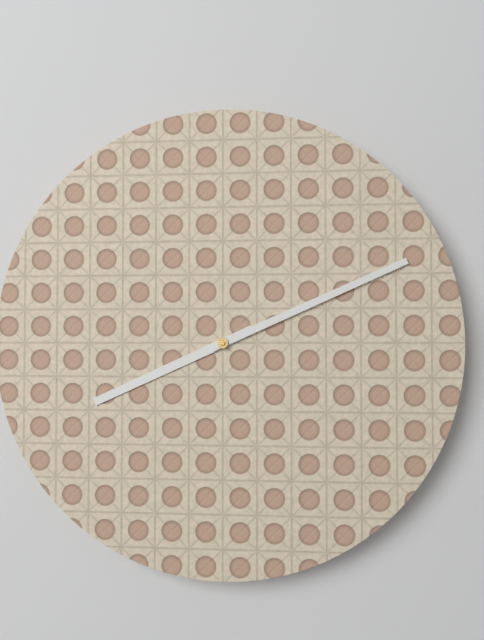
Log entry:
8h11
